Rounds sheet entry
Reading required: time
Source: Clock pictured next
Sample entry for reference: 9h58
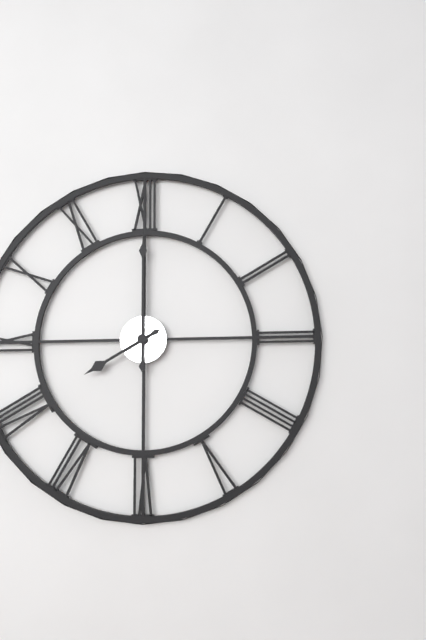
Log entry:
8h00
